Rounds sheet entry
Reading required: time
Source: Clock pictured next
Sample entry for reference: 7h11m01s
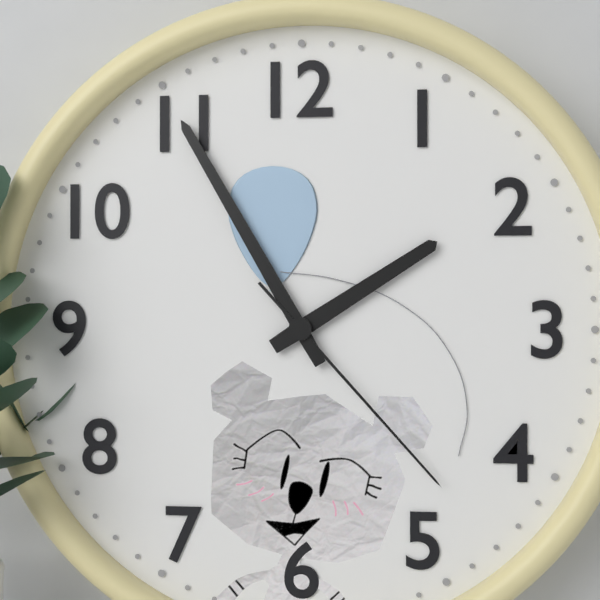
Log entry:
1h55m23s
